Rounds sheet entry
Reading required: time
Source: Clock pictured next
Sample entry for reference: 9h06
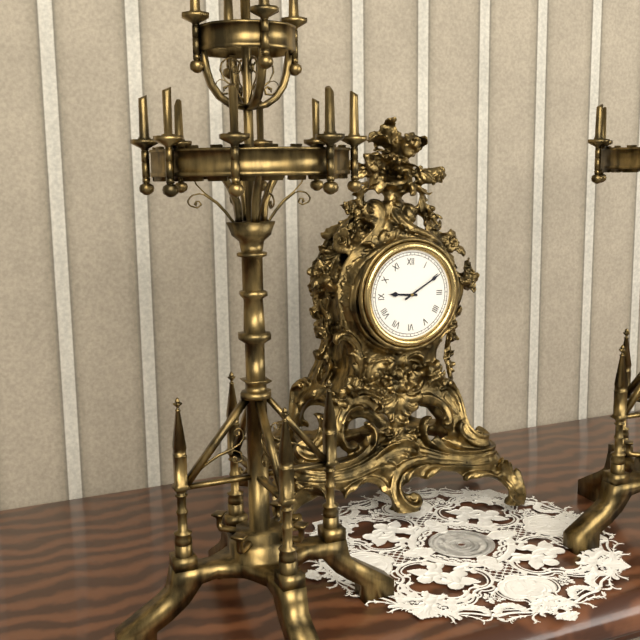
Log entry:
9h10
